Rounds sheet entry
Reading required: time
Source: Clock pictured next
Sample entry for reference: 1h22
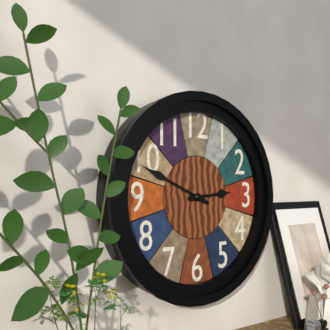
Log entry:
2h49
